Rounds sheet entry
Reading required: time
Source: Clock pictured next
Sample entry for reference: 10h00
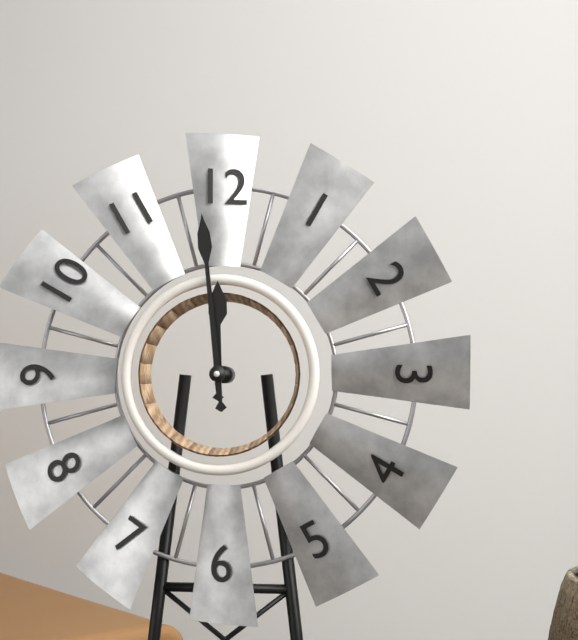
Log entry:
11h59
